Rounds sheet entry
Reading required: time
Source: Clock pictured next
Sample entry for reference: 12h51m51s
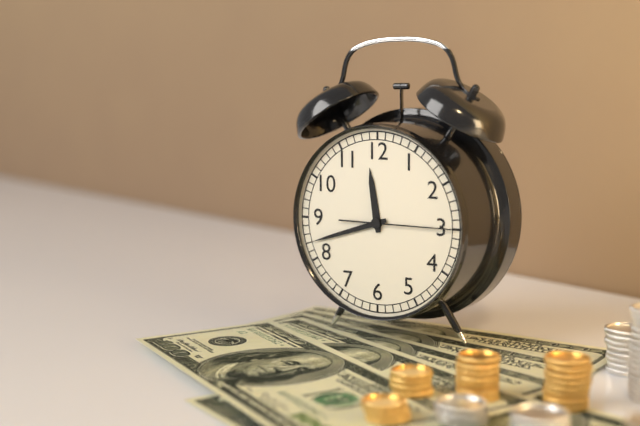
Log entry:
11h42m15s
